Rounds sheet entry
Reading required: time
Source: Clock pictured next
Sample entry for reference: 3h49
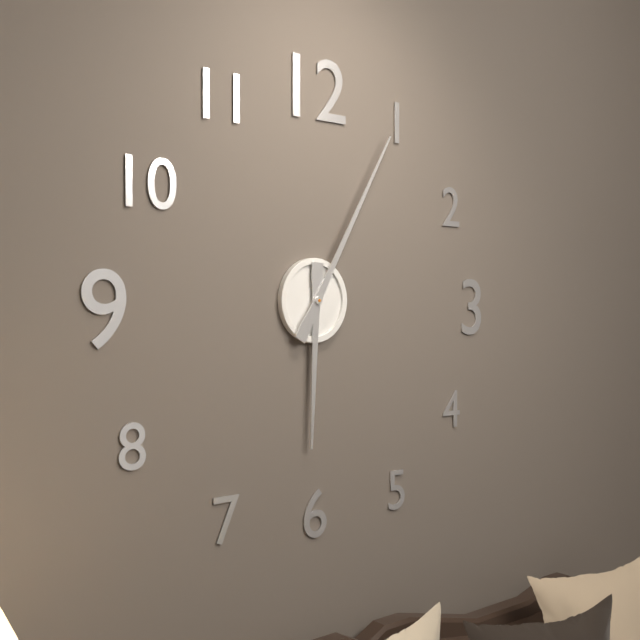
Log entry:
6h05
